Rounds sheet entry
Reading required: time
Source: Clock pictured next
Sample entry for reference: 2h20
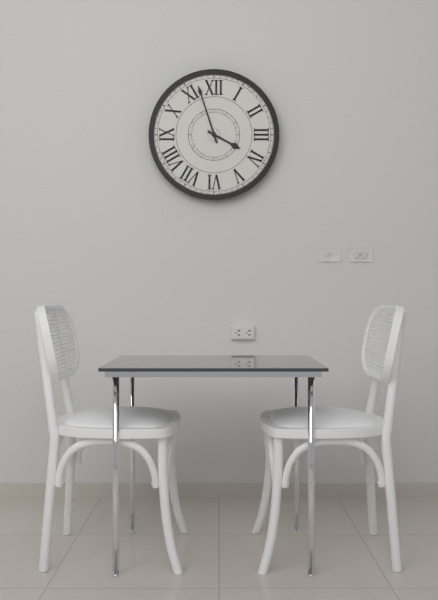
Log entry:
3h57
